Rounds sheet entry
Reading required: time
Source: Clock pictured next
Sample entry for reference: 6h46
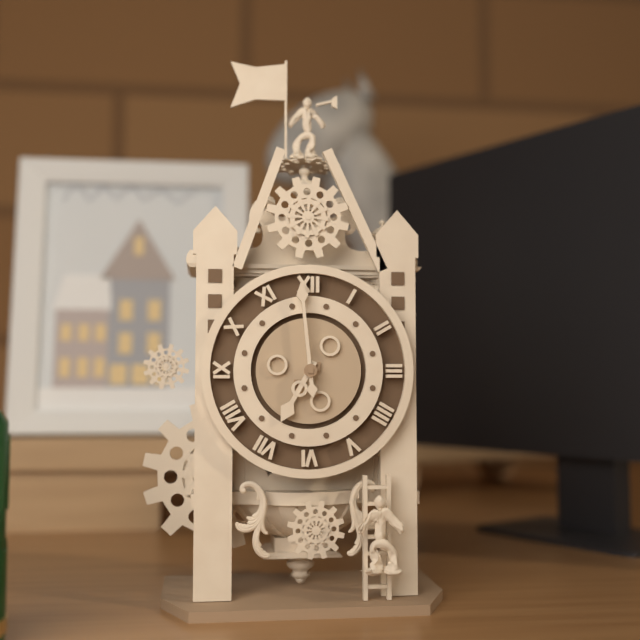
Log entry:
6h59
